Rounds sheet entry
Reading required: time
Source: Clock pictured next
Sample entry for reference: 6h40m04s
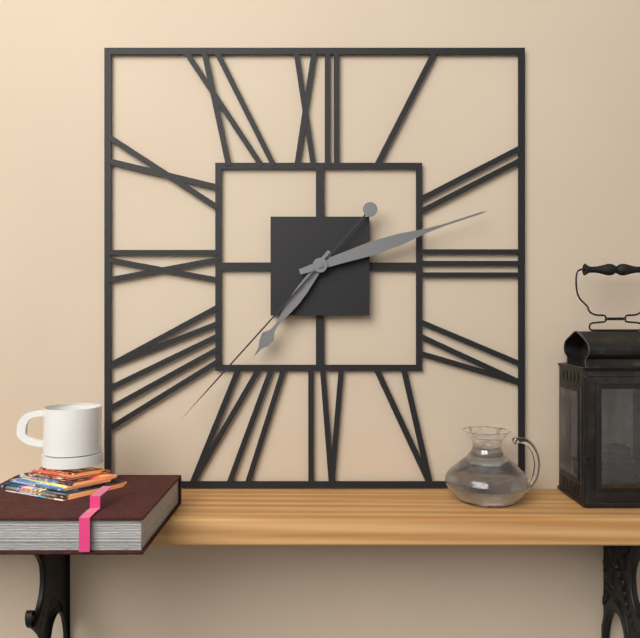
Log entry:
7h12m37s
